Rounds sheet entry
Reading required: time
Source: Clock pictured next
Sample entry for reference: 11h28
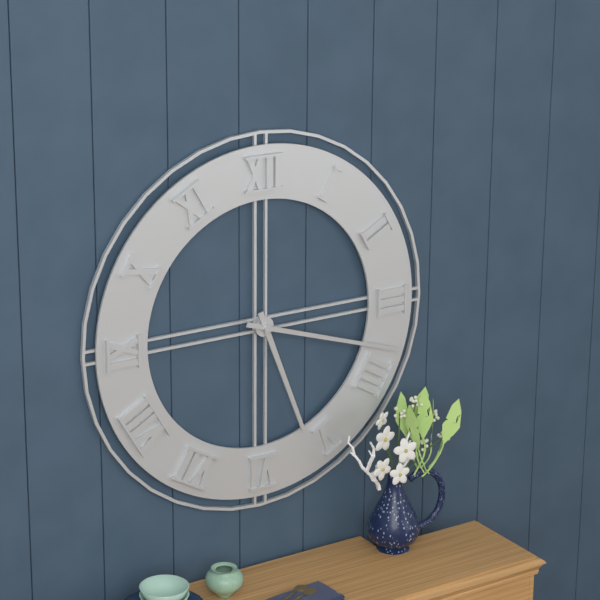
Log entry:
5h18
